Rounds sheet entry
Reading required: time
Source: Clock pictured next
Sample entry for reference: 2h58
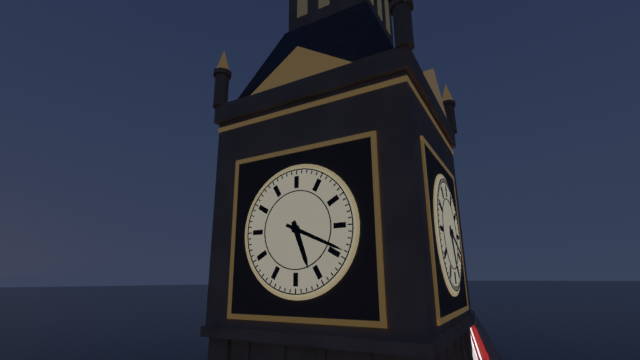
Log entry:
5h19
